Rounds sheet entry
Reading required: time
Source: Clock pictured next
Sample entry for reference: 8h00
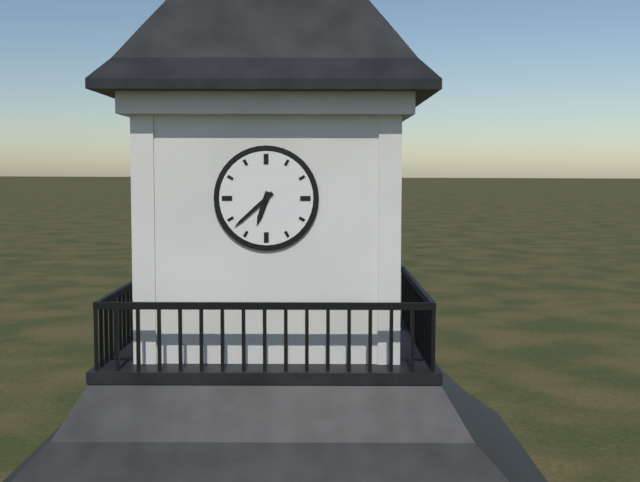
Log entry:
6h38
